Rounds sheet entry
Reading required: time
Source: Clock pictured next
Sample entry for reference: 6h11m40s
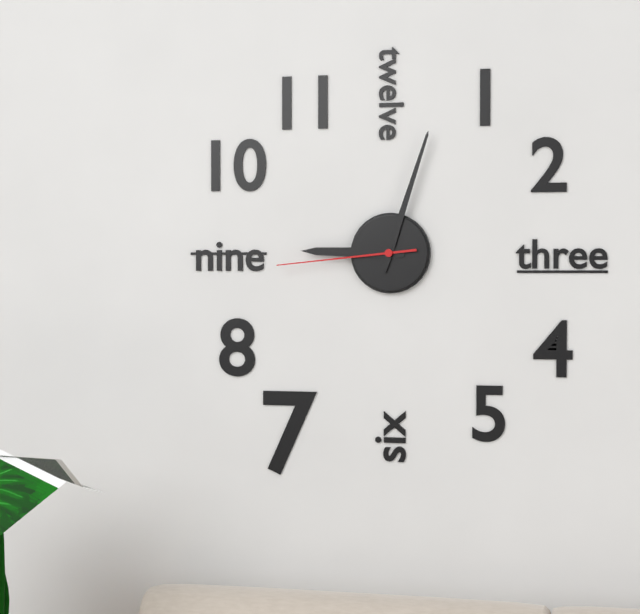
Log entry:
9h03m44s
